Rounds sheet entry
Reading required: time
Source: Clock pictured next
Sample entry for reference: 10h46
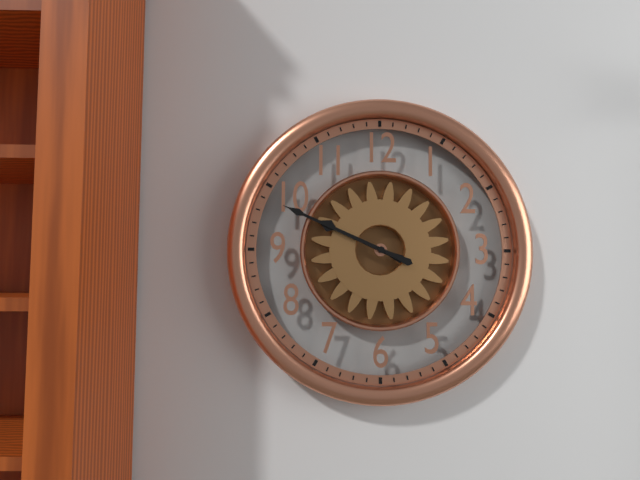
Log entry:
9h49
